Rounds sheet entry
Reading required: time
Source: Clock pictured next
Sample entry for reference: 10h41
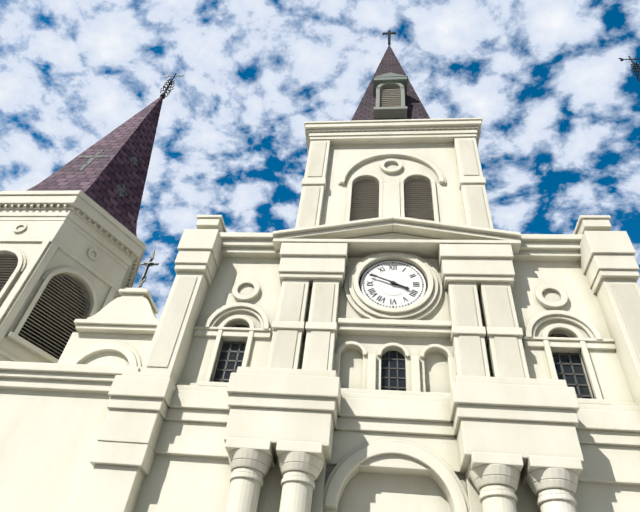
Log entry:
3h49
